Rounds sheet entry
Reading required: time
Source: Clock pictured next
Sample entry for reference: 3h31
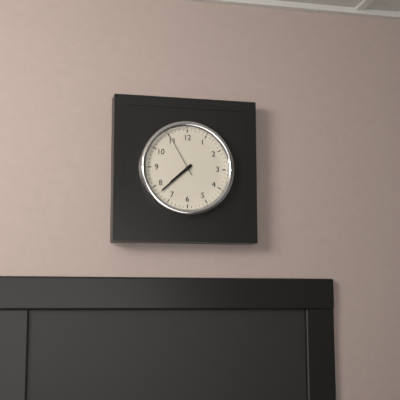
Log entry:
7h38
